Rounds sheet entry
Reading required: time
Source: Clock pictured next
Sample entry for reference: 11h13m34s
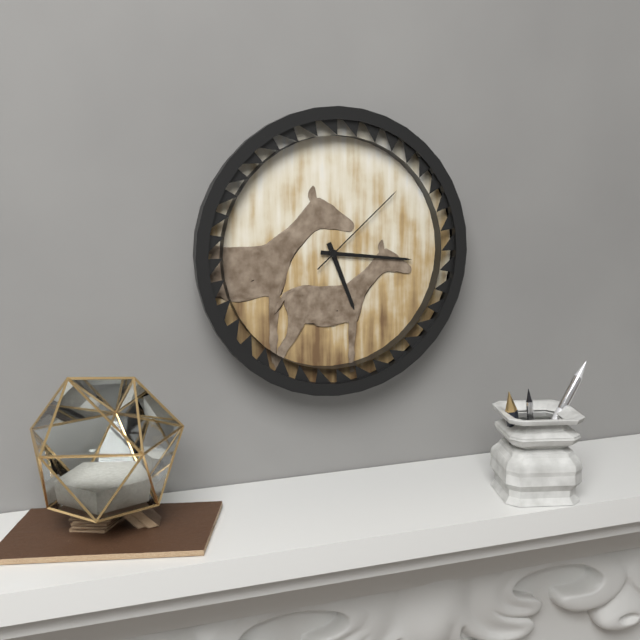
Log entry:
5h16m08s
